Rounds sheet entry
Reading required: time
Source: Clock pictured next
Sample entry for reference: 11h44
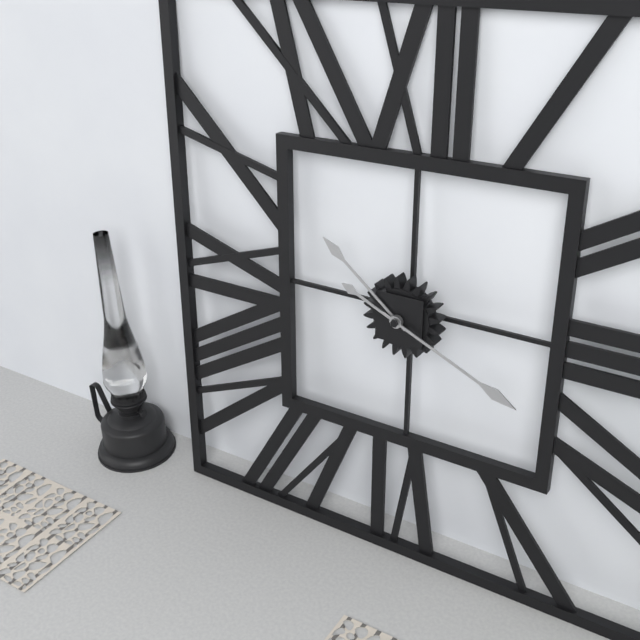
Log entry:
10h19
